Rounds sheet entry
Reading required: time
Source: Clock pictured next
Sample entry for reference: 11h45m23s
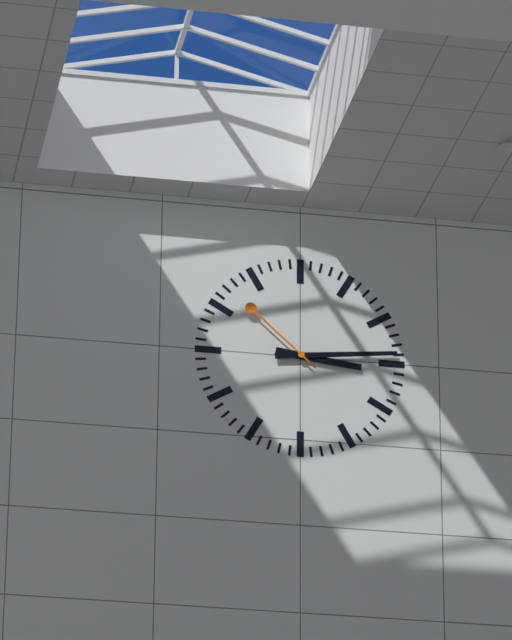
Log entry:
3h14m52s
